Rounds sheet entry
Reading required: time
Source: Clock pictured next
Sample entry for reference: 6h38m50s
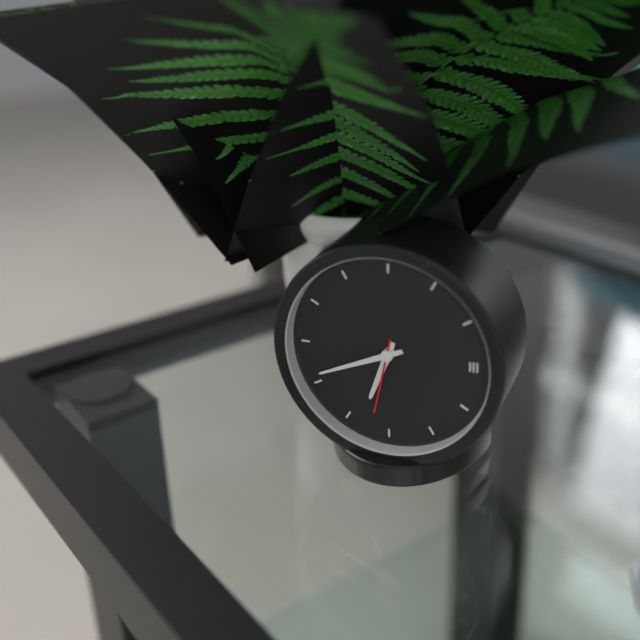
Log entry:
6h41m32s
